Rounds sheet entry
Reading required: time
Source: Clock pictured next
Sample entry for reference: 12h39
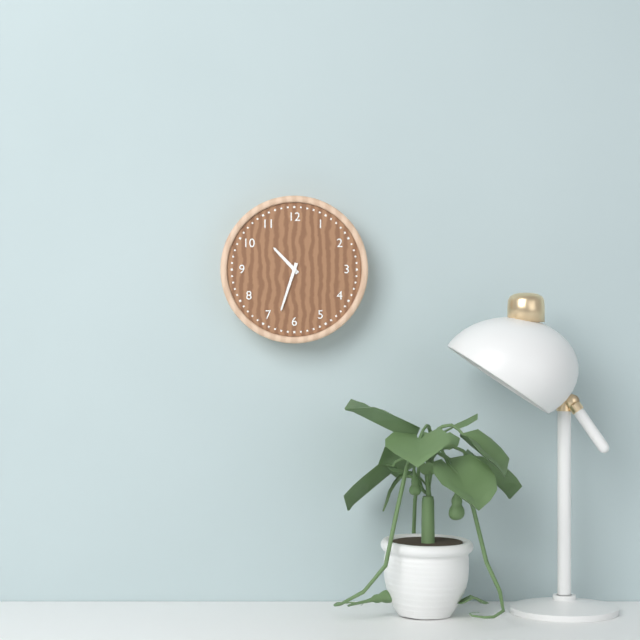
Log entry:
10h33
